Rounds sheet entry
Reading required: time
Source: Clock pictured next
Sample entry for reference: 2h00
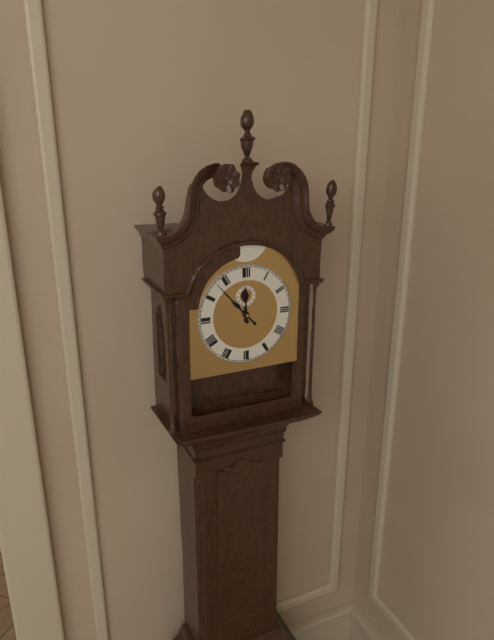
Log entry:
11h53
